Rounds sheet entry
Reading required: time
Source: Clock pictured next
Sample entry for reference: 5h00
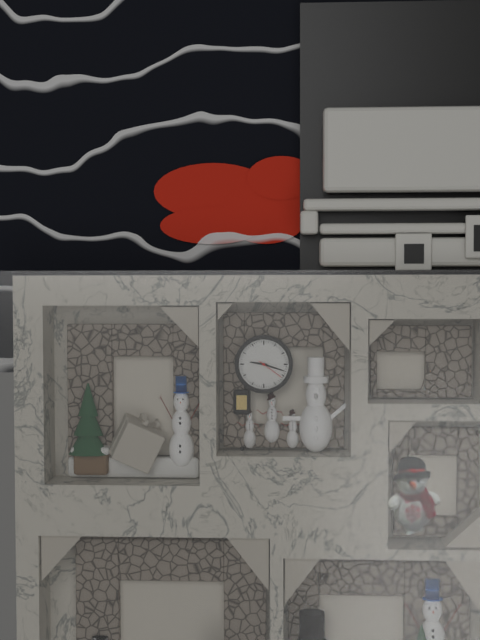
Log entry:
9h18
